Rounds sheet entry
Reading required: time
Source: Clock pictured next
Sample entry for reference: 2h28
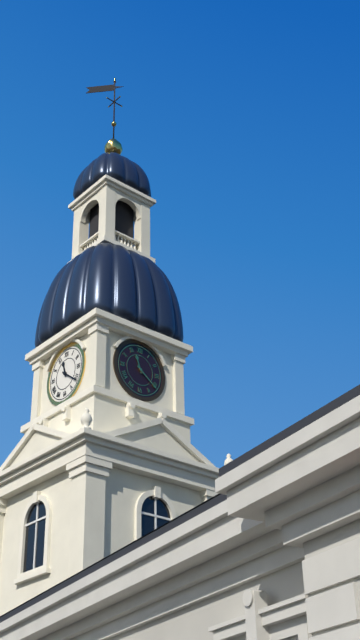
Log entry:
11h21
